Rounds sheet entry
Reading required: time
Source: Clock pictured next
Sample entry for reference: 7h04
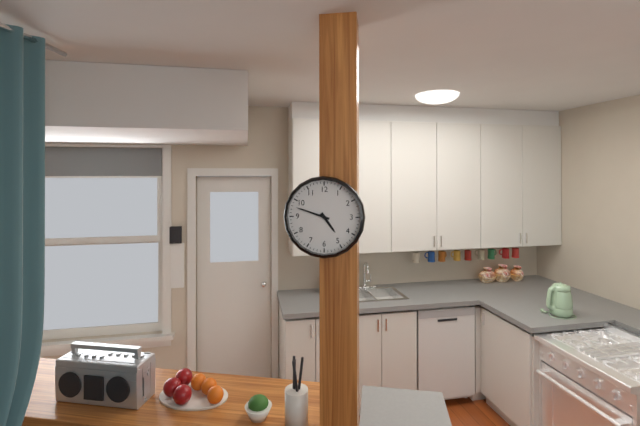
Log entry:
4h48
